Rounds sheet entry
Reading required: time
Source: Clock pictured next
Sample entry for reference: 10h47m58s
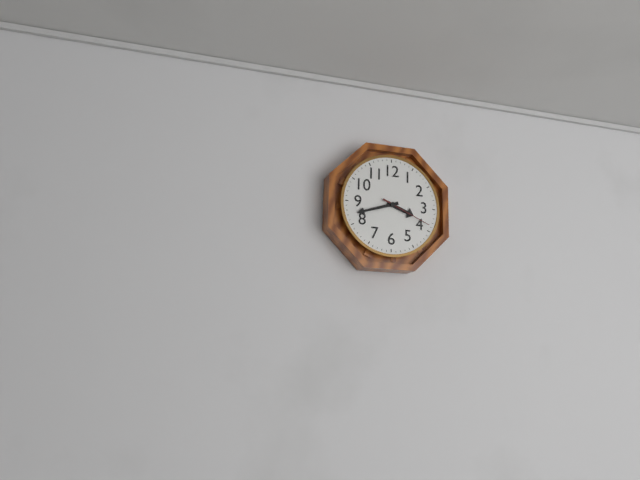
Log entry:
3h42m19s
